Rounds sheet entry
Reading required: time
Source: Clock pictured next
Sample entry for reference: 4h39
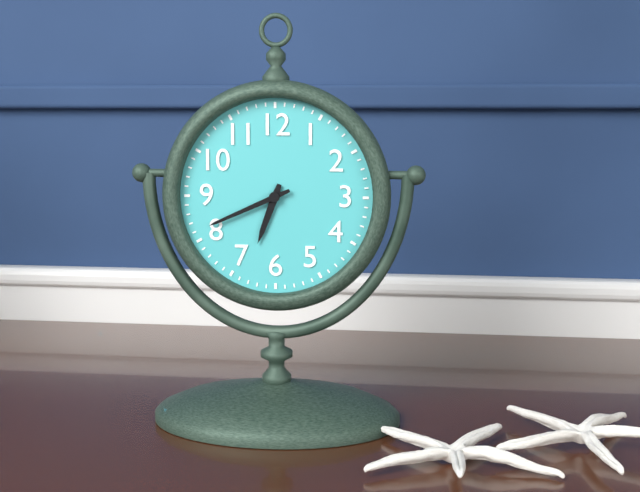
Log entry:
6h41
